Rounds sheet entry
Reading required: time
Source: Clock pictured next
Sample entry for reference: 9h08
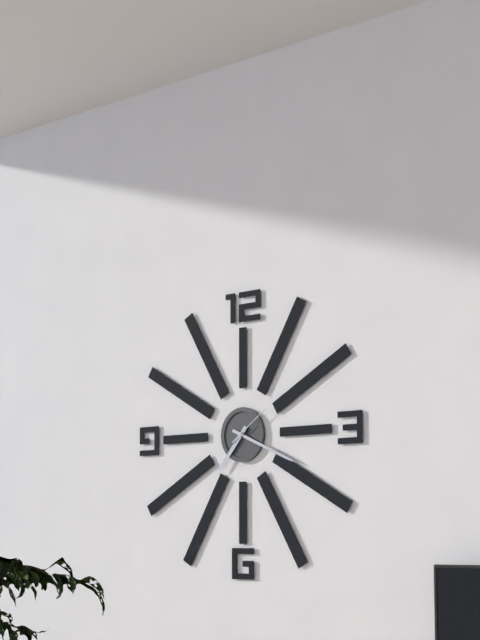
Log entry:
7h19
